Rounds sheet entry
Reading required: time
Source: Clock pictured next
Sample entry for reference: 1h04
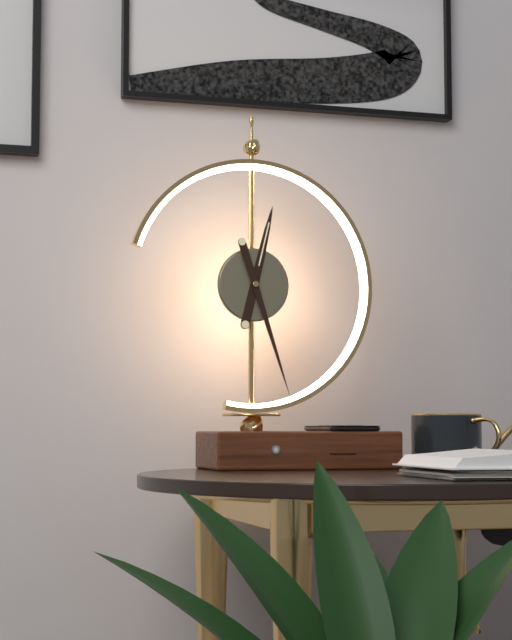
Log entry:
12h27
